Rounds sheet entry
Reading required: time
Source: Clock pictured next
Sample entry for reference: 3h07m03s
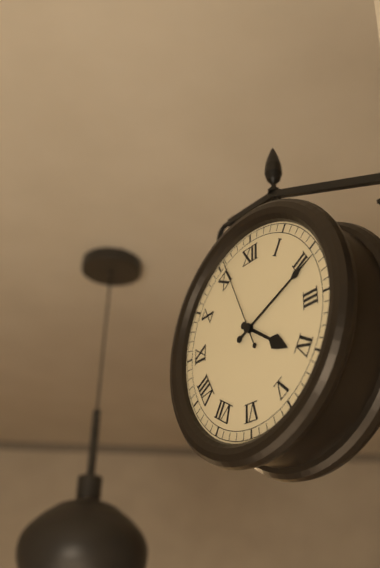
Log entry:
4h11m56s
